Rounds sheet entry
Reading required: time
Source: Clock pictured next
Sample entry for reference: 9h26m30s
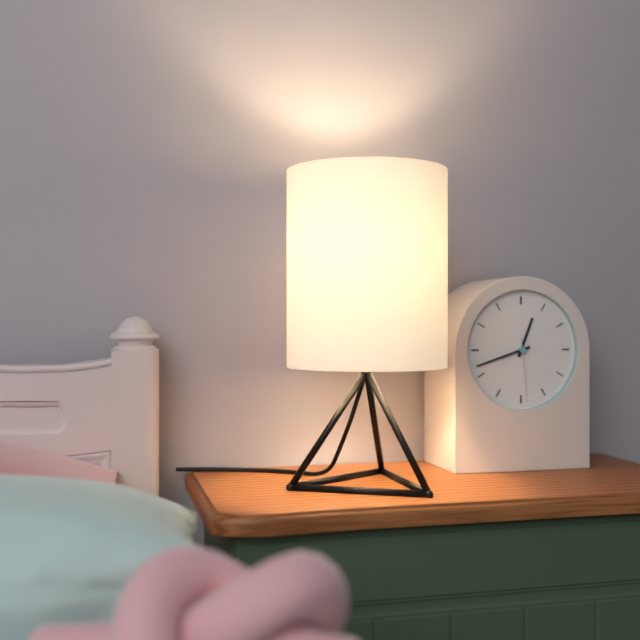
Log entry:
12h42m29s
